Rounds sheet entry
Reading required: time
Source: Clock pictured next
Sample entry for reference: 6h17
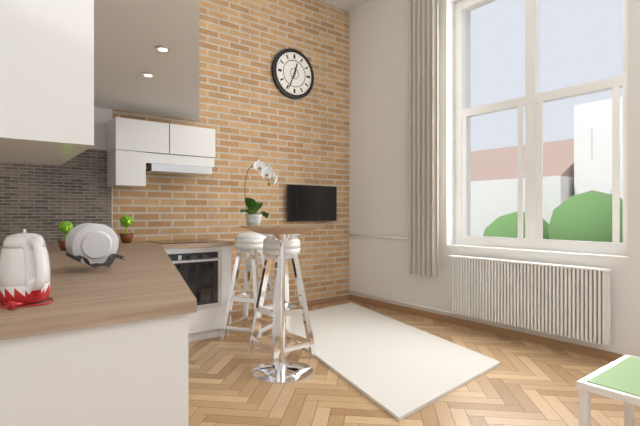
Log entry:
12h34
